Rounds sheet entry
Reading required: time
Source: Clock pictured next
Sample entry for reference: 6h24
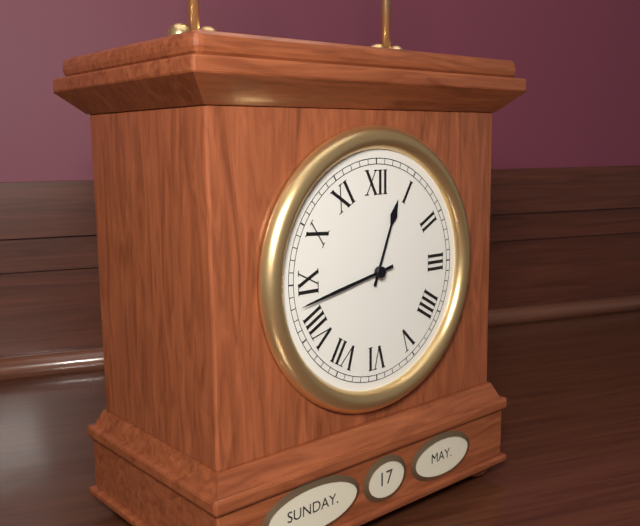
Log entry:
12h43
